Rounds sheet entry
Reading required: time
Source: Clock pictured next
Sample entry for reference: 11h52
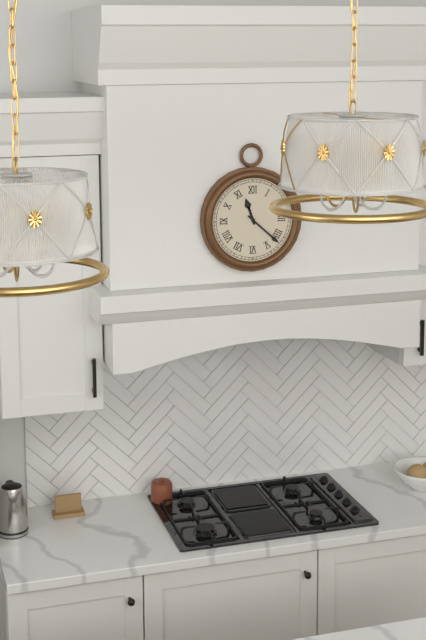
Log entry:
11h22
